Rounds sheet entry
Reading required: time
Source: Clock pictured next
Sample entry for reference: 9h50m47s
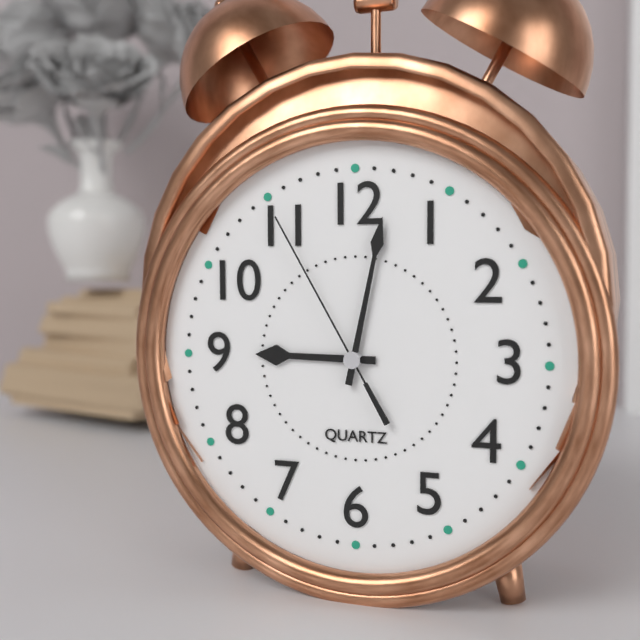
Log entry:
9h02m55s
